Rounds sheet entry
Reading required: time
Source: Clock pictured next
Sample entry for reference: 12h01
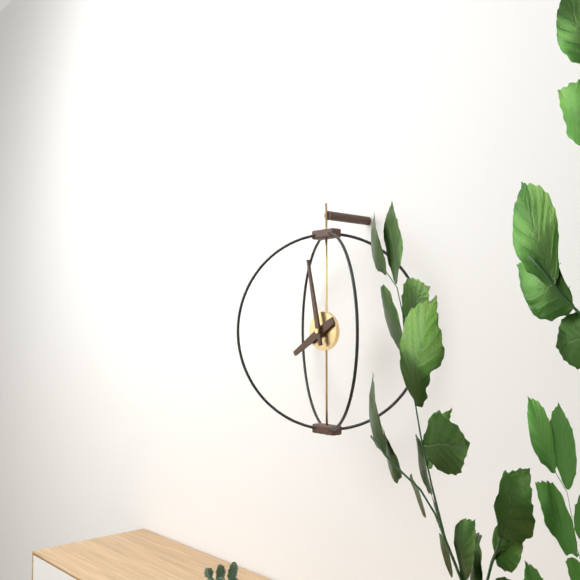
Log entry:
7h58
